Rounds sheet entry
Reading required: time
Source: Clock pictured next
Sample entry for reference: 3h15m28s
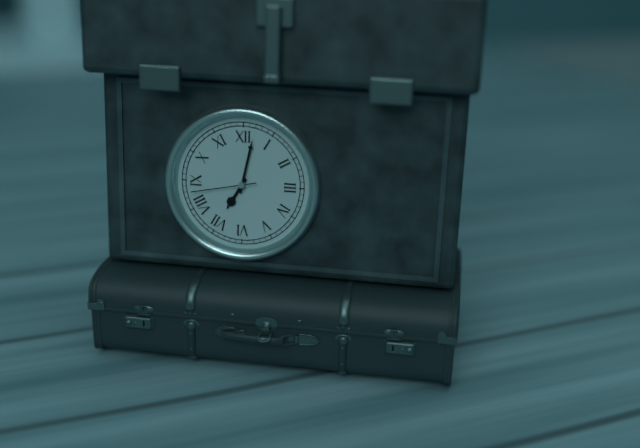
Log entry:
7h02m43s
